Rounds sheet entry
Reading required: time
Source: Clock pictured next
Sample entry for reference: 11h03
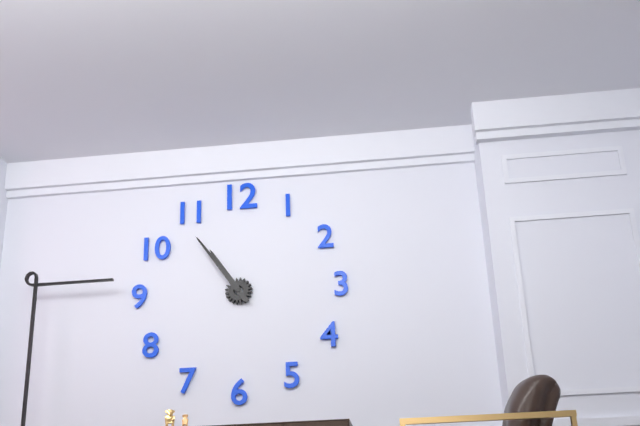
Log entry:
10h54
